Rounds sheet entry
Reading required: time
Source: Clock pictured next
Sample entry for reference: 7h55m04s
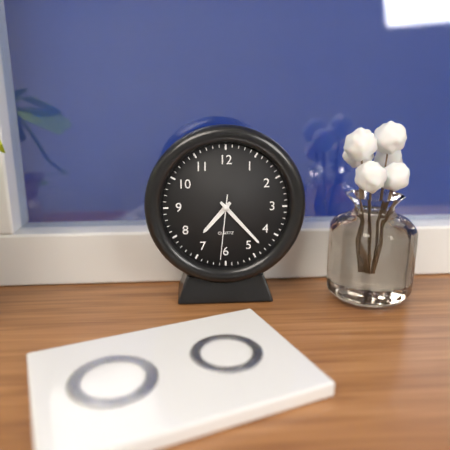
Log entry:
7h23m31s
